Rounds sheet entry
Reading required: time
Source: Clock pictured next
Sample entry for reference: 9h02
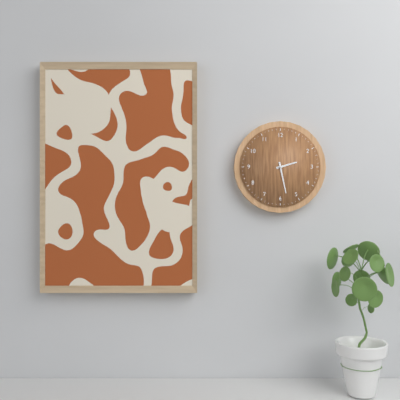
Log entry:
2h28
